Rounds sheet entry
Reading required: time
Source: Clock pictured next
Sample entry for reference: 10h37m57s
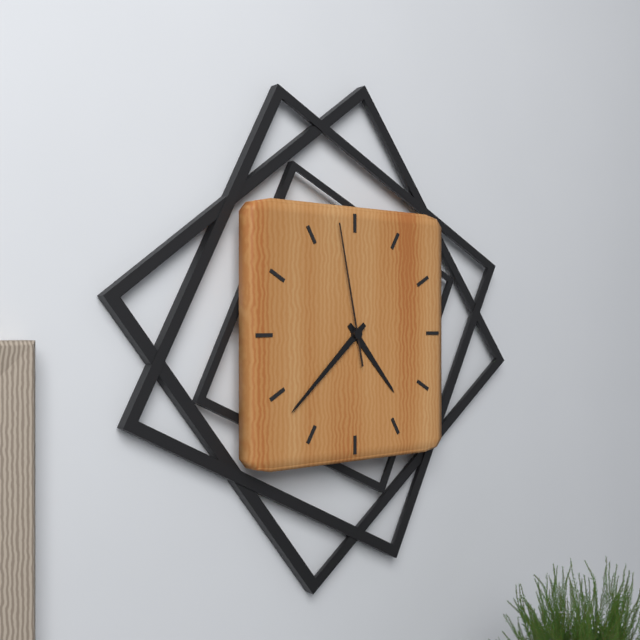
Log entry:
4h38m58s
